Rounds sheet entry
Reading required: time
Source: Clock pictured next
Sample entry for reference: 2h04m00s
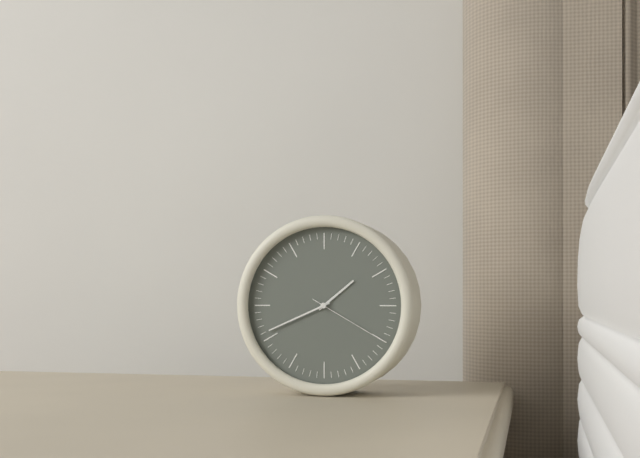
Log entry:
1h41m20s
